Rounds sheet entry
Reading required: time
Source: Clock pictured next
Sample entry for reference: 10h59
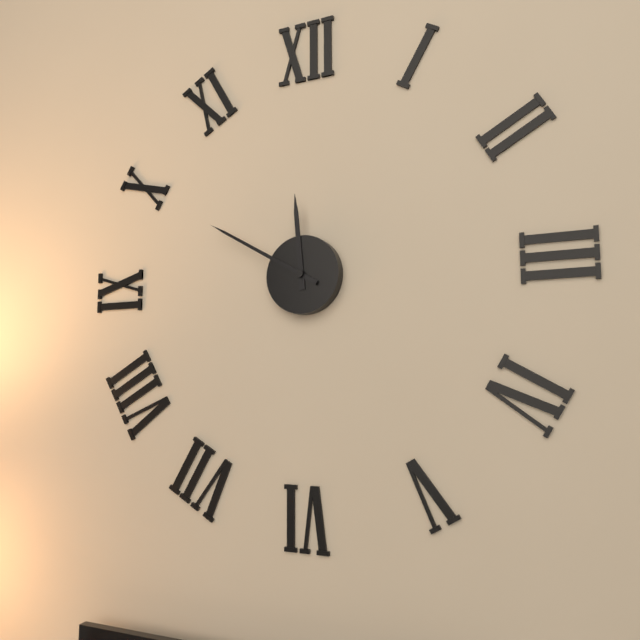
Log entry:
11h50
